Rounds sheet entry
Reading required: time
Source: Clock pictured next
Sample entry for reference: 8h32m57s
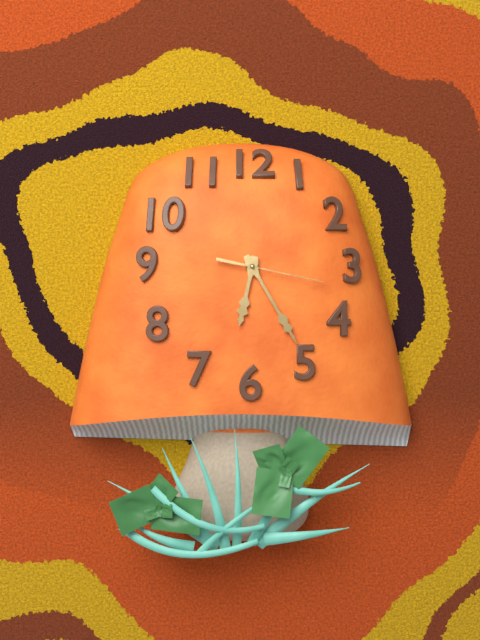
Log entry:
6h25m17s
